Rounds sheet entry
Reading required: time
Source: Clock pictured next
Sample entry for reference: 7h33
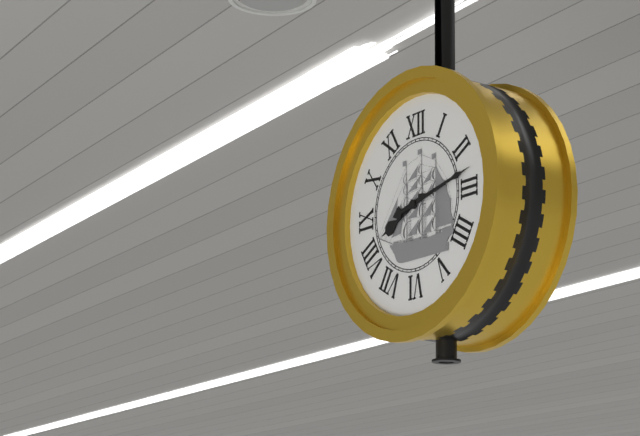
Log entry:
8h13
